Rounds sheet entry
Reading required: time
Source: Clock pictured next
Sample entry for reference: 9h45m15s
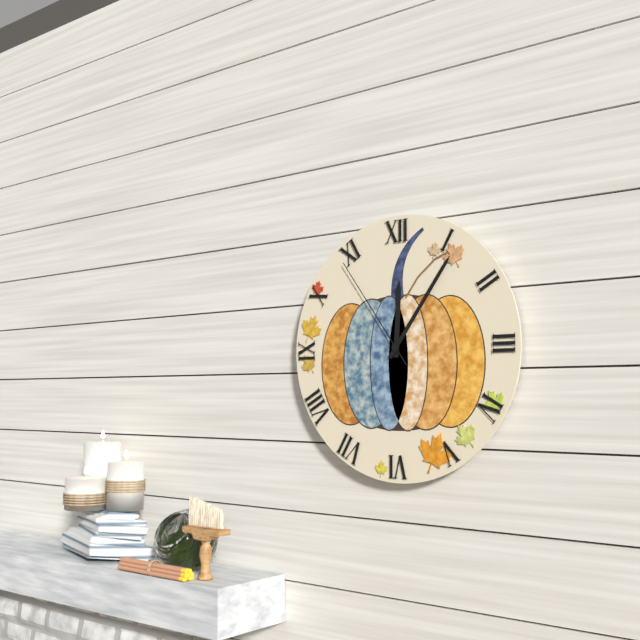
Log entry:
12h06m54s
